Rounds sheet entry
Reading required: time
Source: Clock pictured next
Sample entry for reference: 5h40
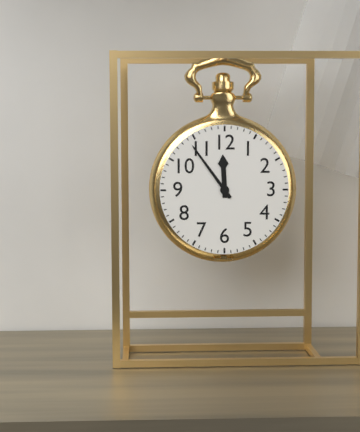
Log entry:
11h54
